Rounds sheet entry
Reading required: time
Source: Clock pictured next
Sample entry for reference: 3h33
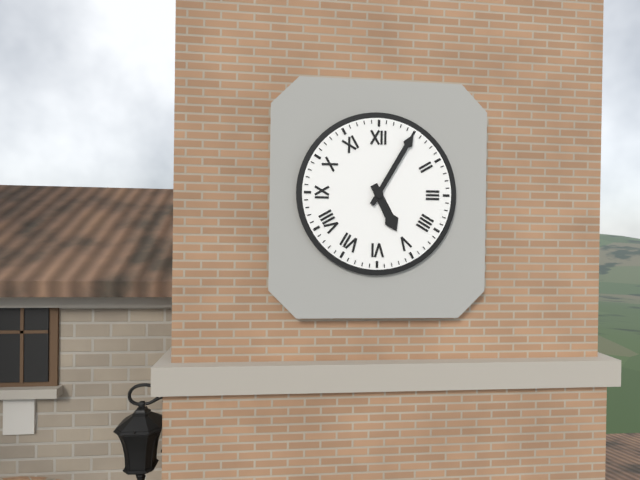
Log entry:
5h05
